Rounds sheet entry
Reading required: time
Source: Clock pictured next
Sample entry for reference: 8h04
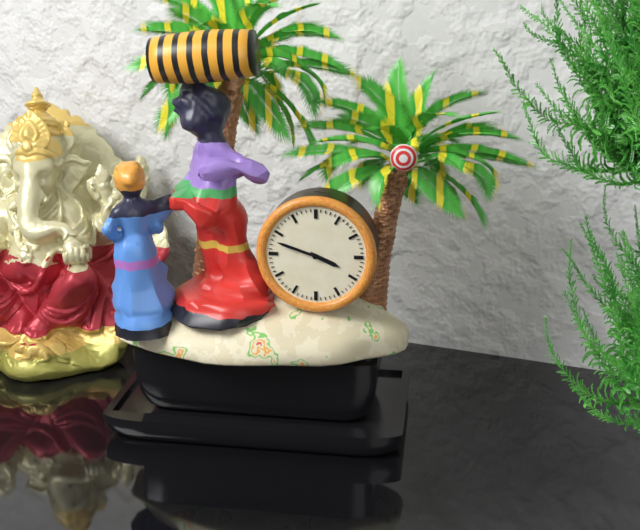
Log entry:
3h48
